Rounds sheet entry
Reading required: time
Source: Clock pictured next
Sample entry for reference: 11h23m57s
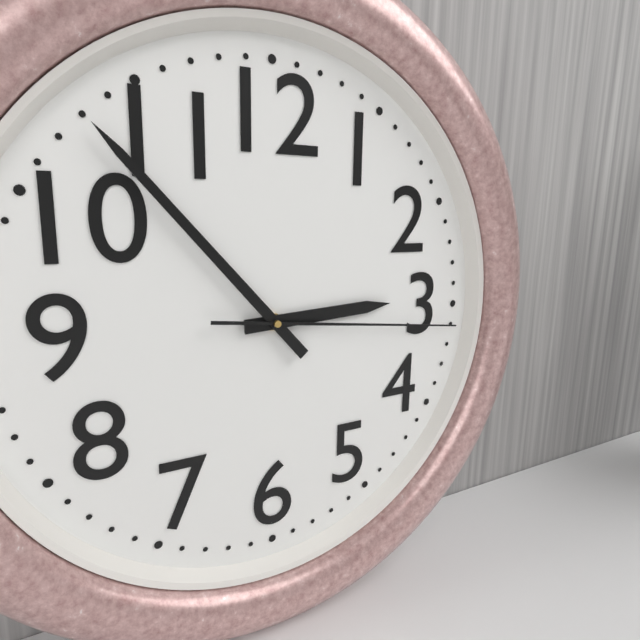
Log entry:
2h53m16s
